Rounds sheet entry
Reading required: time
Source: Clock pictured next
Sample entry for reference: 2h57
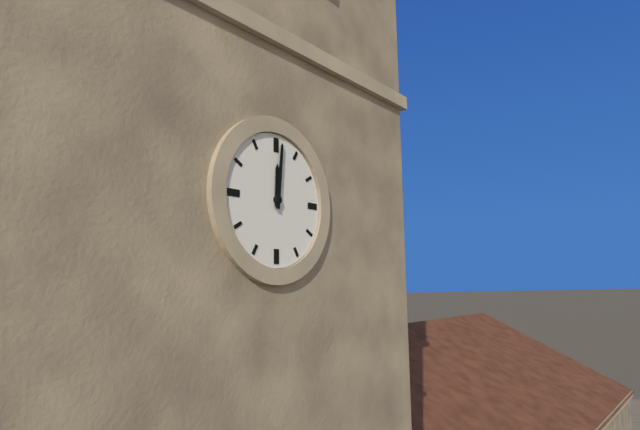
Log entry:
12h01
